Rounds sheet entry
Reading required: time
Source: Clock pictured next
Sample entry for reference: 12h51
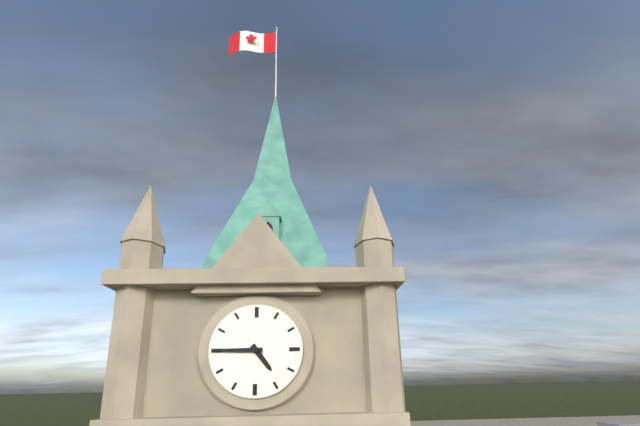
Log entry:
4h45
